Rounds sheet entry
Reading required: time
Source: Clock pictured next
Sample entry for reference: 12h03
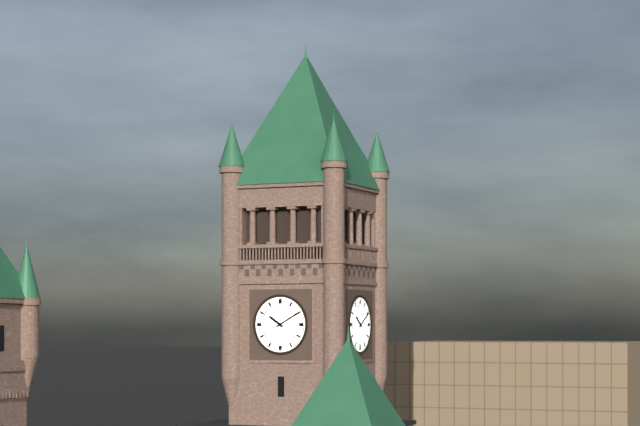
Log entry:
10h10
